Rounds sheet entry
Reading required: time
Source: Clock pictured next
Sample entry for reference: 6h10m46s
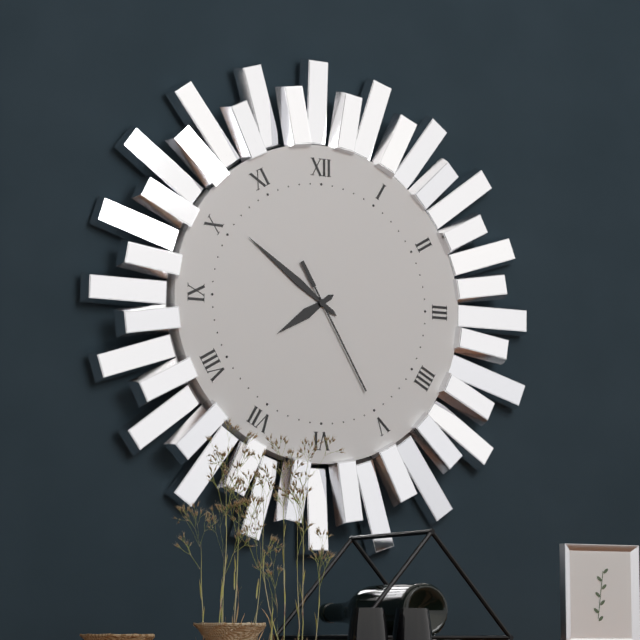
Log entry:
7h51m25s
